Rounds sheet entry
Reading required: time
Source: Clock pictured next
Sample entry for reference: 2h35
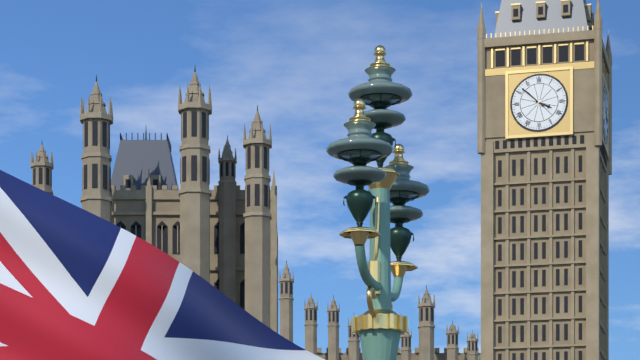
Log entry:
3h52
